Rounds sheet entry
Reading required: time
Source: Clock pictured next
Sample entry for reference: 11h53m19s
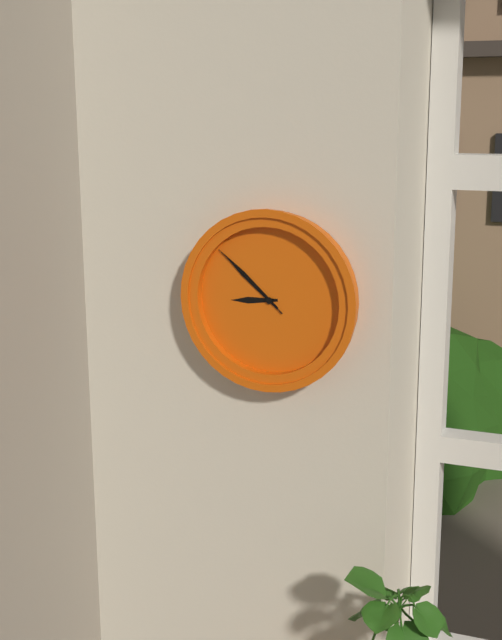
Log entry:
8h52m52s
